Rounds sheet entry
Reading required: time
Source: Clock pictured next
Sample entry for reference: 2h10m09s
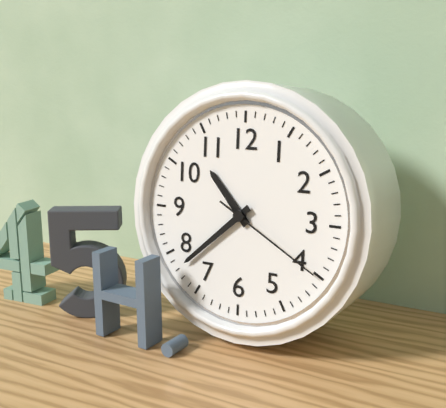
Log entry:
10h38m20s
